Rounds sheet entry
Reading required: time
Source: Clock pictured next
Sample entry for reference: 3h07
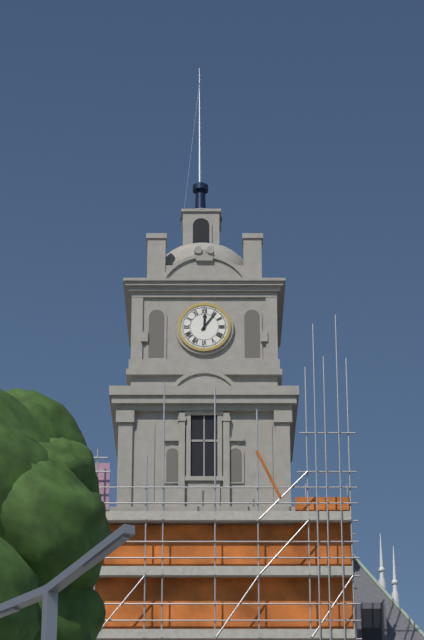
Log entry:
12h06
